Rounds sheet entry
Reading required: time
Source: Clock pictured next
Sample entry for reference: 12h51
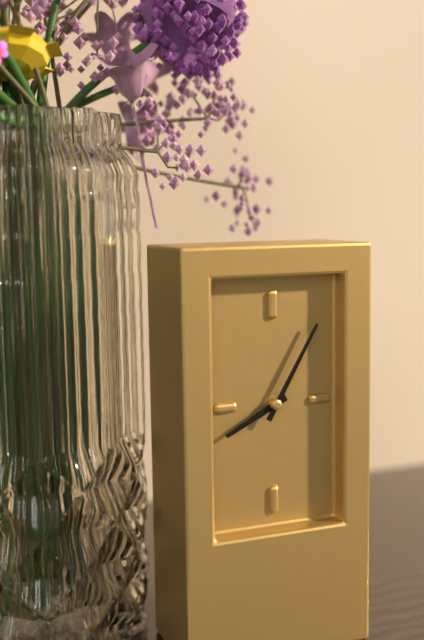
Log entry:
8h05
